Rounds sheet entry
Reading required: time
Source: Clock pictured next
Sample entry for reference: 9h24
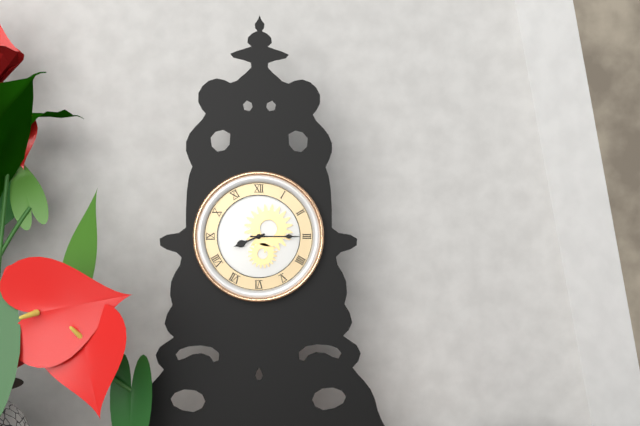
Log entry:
8h15
